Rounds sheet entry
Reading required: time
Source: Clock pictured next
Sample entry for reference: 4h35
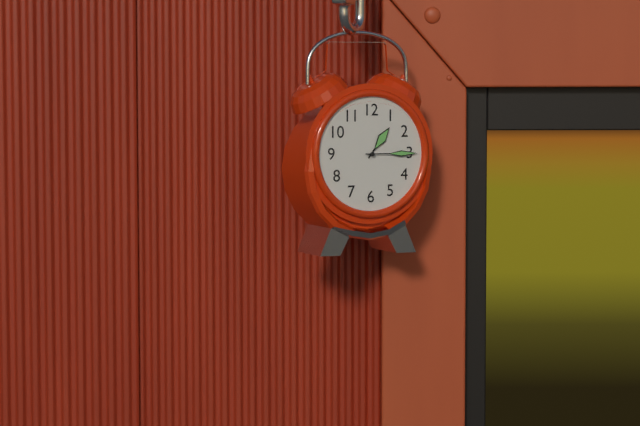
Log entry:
1h15
